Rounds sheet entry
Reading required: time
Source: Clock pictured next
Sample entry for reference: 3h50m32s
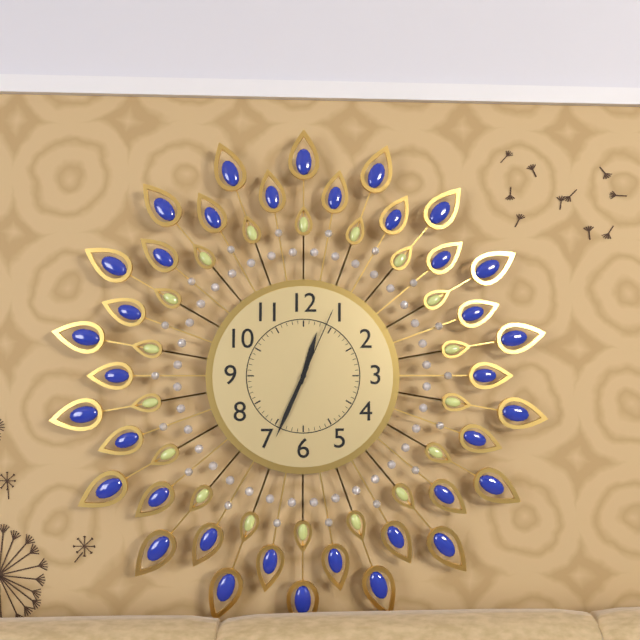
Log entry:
12h34m04s
